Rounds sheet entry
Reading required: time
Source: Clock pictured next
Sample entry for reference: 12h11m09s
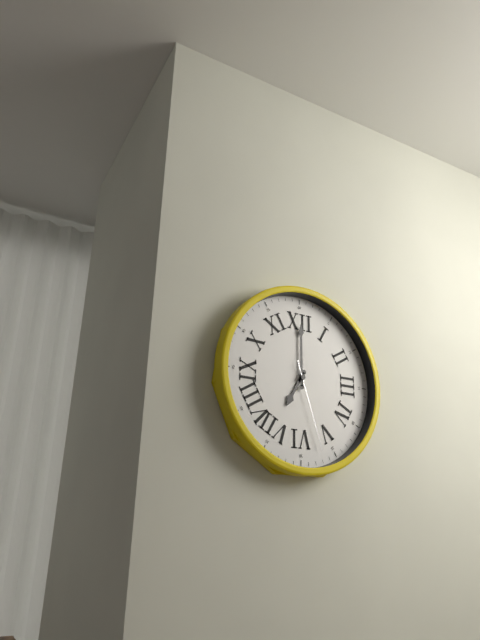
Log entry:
7h00m27s
